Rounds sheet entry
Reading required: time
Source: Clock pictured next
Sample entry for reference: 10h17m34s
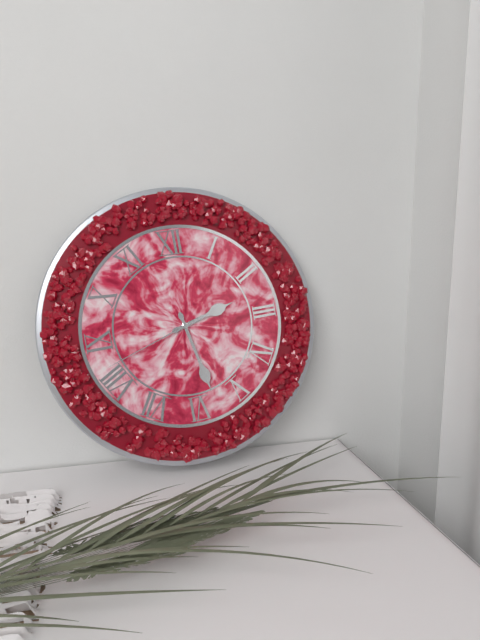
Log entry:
2h28m42s
